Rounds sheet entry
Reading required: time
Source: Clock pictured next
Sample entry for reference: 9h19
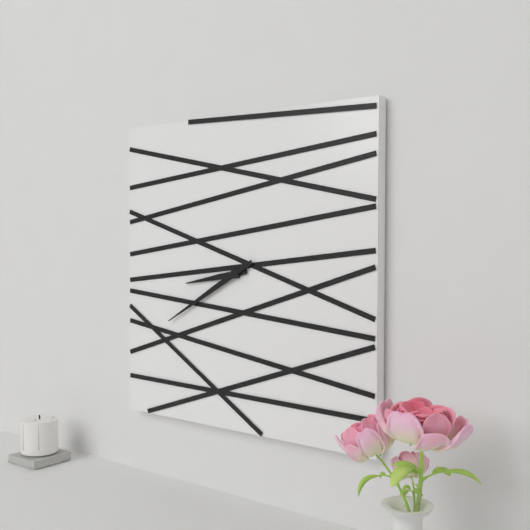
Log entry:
8h40
